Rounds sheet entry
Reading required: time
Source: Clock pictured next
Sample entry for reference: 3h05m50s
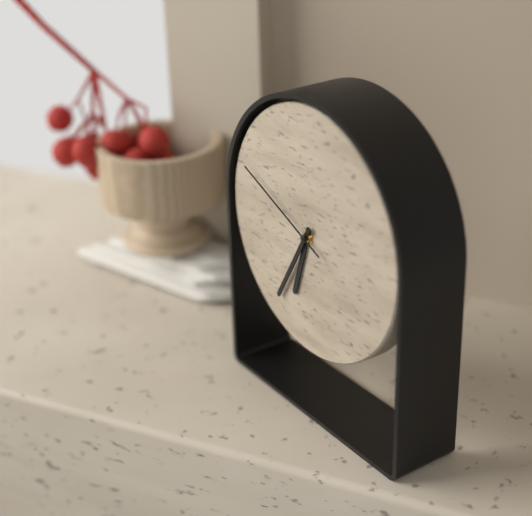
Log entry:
6h35m49s
